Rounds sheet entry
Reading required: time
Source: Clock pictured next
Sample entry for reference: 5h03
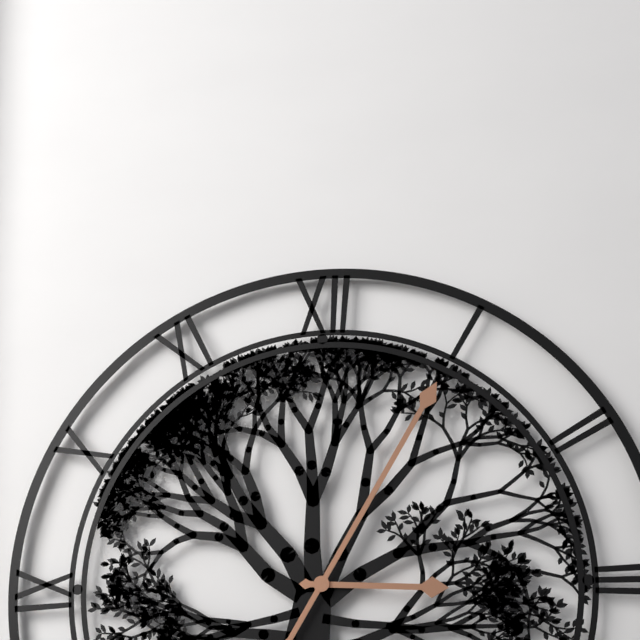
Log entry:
3h05
